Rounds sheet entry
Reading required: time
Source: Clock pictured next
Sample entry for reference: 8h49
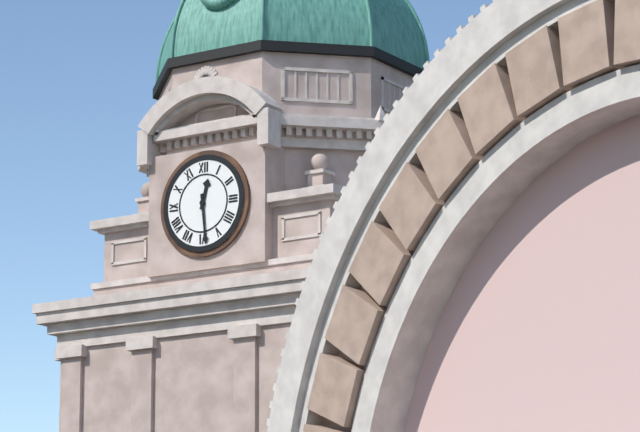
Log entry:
12h29
